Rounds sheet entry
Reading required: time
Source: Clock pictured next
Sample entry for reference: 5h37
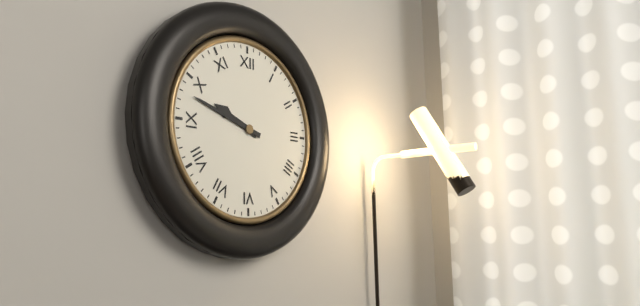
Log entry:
9h48
